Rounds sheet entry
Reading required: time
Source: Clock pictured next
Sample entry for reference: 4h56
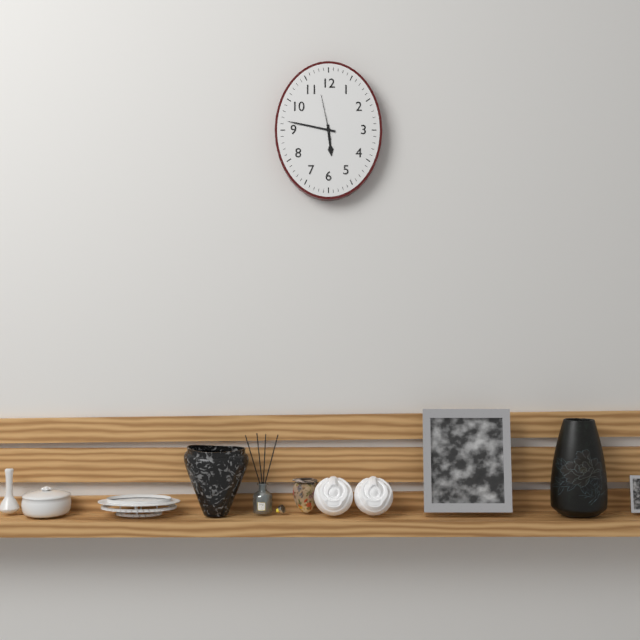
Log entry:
5h47
